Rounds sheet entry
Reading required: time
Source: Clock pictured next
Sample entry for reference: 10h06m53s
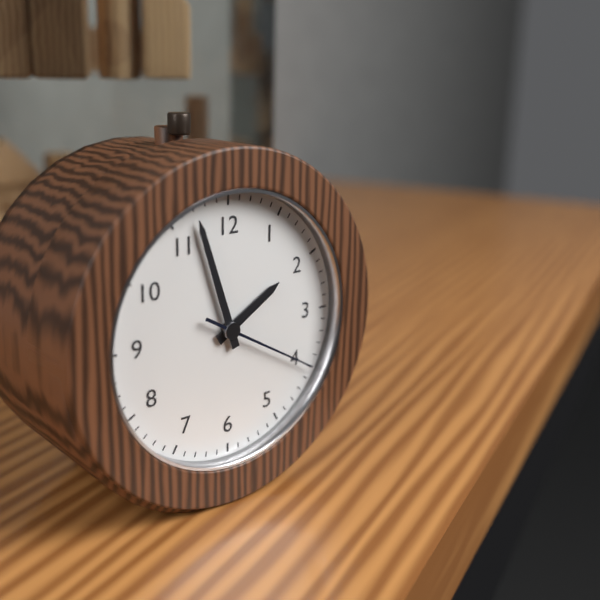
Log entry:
1h57m20s
